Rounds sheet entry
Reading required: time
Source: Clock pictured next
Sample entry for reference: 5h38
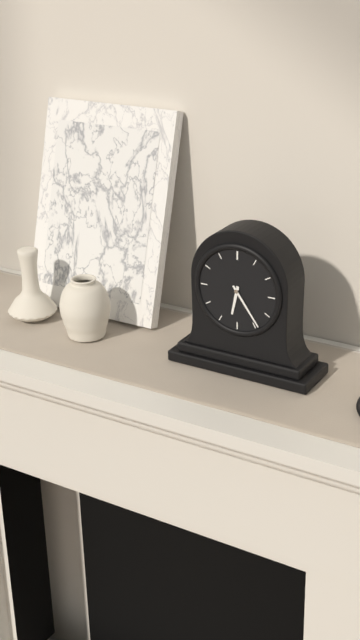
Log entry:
6h24
